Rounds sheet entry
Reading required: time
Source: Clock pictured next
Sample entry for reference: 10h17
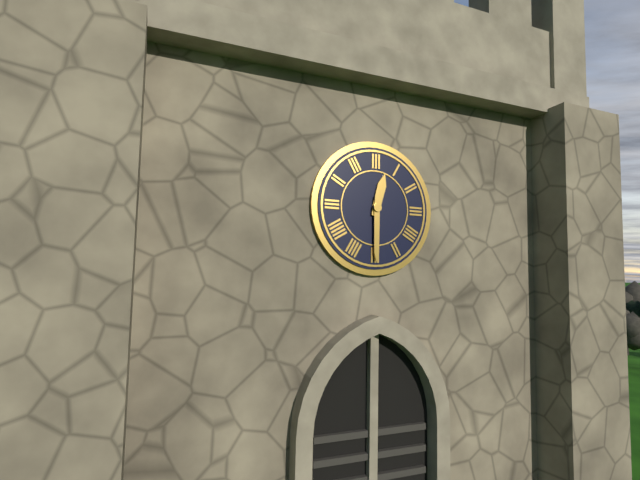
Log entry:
12h30
